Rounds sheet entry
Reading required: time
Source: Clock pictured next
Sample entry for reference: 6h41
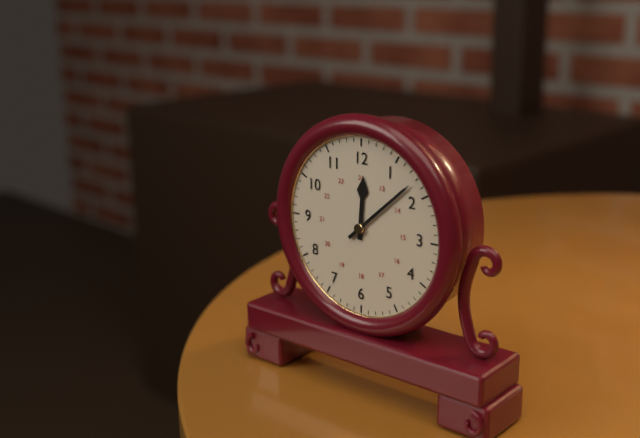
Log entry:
12h08
